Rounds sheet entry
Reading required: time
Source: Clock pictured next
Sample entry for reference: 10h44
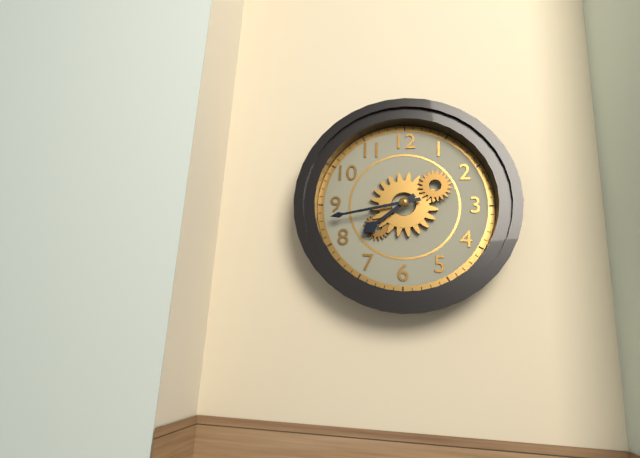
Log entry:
7h43
